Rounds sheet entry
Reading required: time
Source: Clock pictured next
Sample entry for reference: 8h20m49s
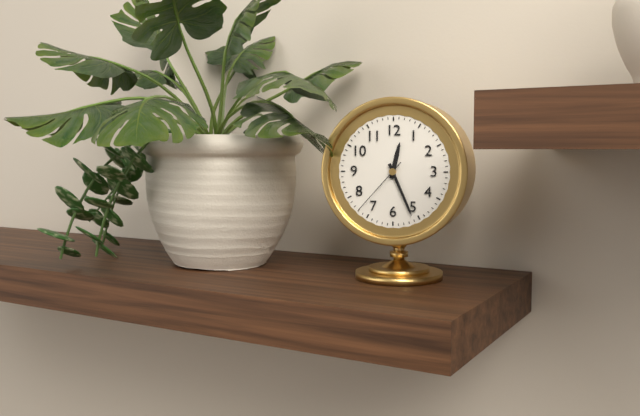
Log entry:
12h26m37s
